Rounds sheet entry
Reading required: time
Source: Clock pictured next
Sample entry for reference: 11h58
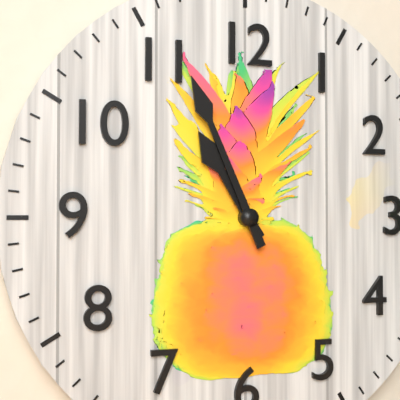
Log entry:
10h56
